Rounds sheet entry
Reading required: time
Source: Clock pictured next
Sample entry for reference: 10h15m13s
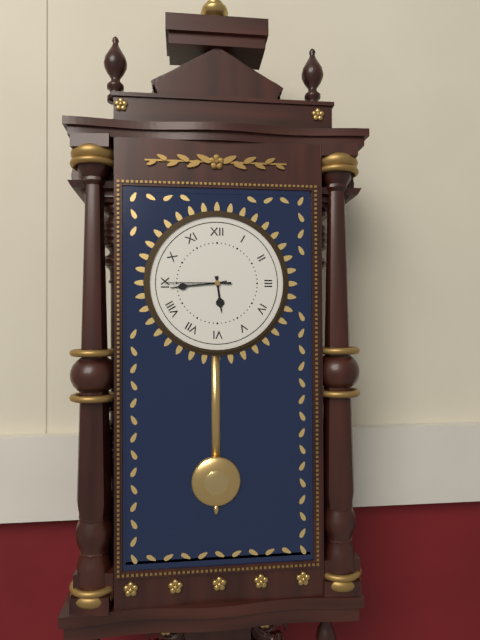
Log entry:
5h44m45s
